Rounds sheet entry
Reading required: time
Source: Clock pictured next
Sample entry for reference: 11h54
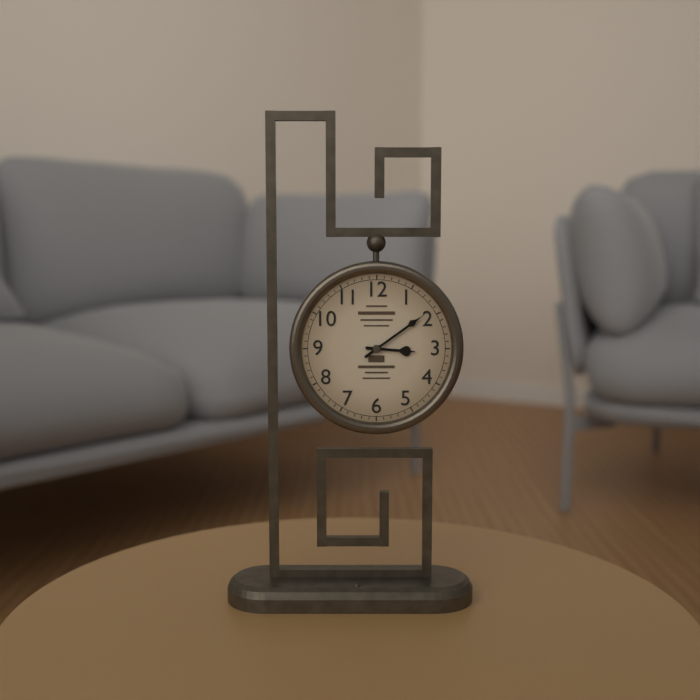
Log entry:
3h09
